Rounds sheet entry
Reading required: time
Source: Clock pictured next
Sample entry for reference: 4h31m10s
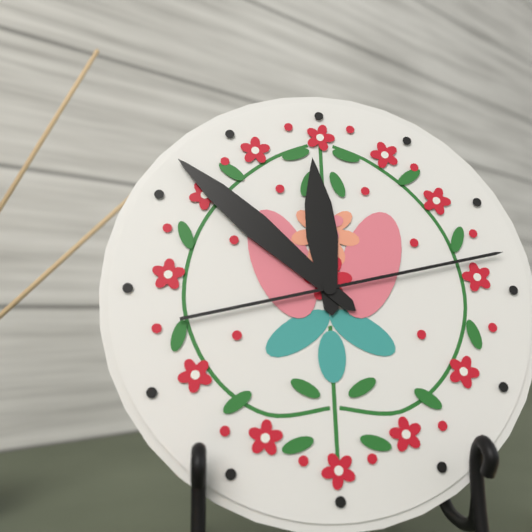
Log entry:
11h52m13s
